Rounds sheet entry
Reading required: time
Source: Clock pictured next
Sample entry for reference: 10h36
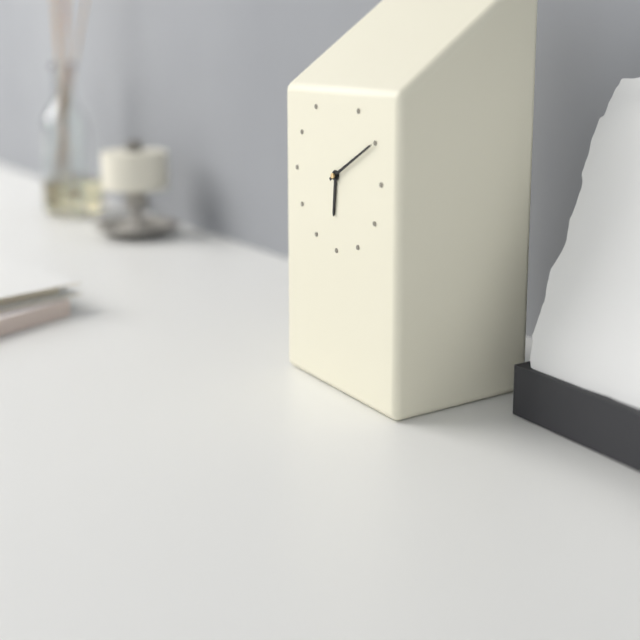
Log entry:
6h10
